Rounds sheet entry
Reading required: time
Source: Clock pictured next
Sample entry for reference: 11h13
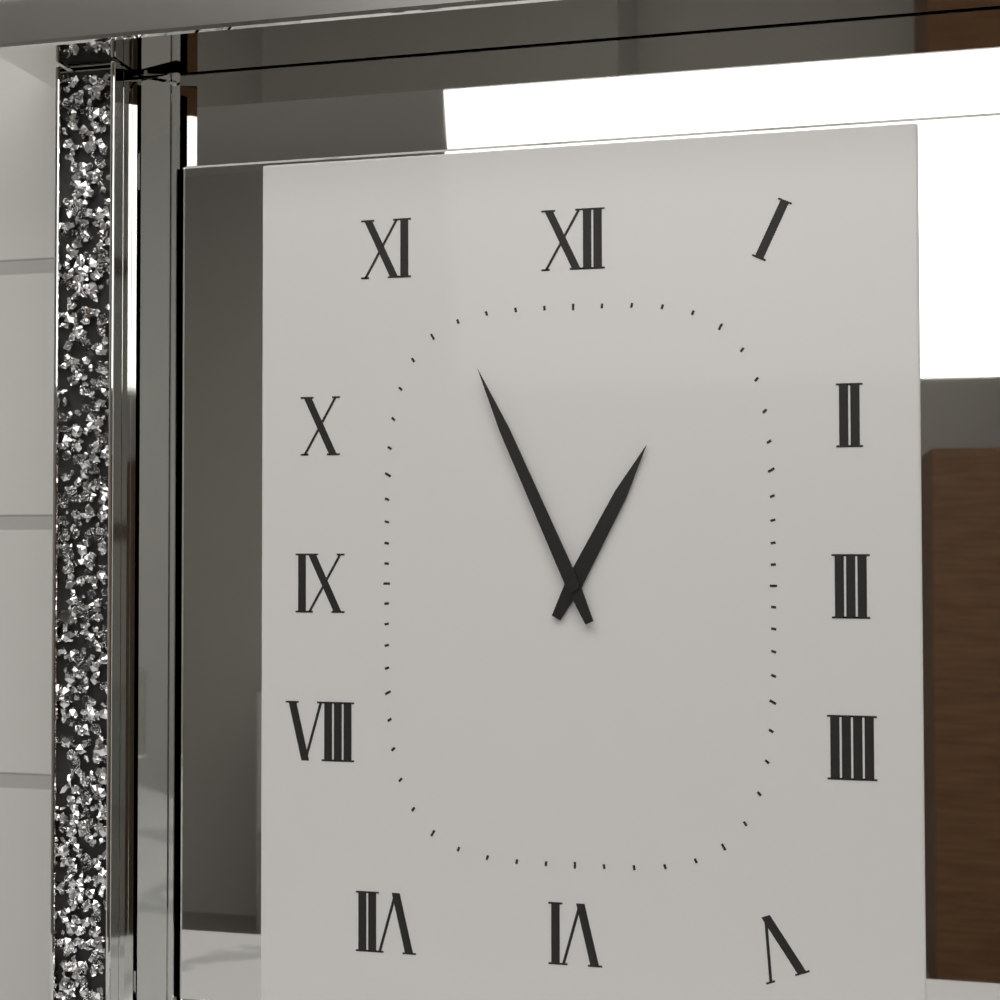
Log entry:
12h56
